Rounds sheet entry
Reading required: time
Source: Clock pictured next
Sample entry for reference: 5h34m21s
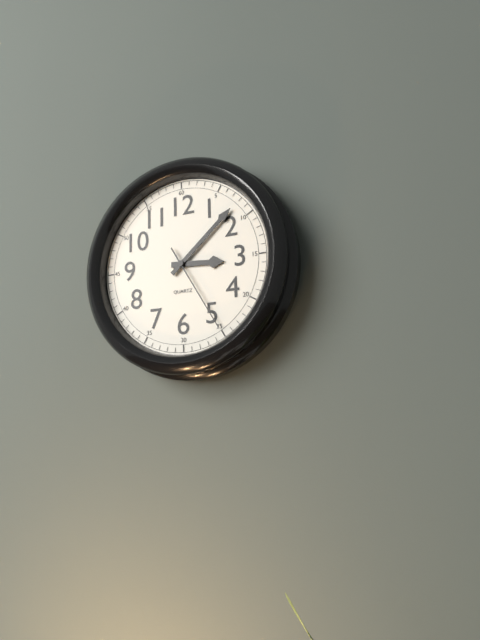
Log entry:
3h08m25s
